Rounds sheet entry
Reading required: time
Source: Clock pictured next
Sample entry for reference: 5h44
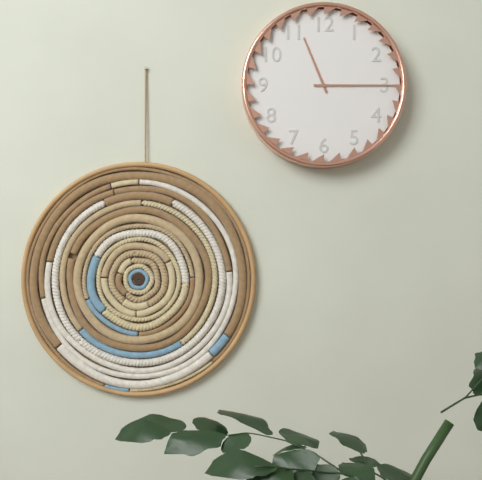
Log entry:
11h15
